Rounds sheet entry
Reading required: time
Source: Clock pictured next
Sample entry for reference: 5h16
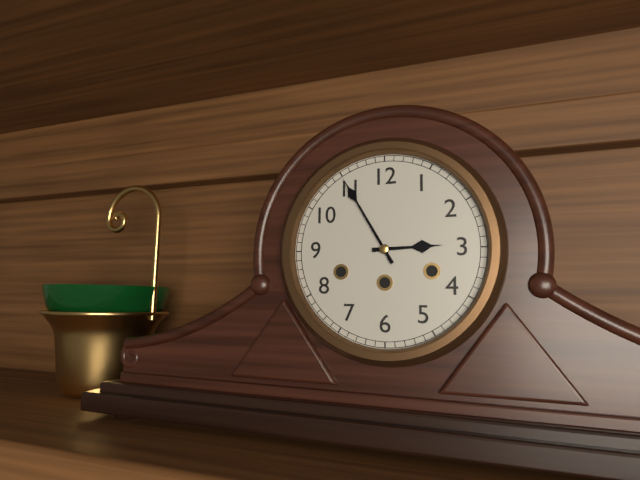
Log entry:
2h55
